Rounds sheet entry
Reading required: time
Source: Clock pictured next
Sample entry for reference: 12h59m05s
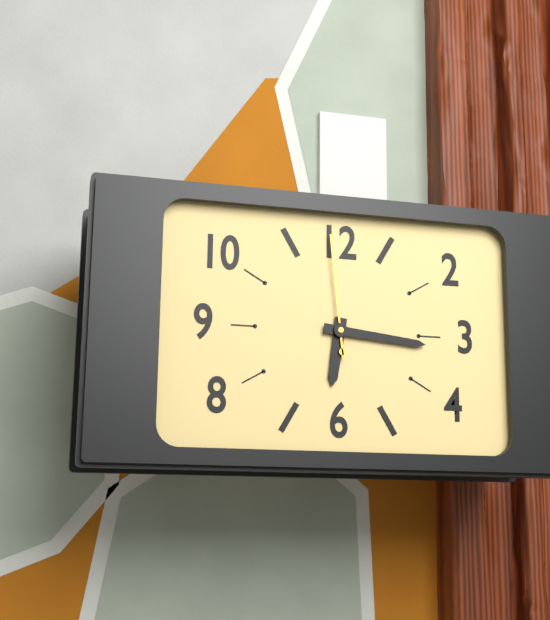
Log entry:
6h16m59s
